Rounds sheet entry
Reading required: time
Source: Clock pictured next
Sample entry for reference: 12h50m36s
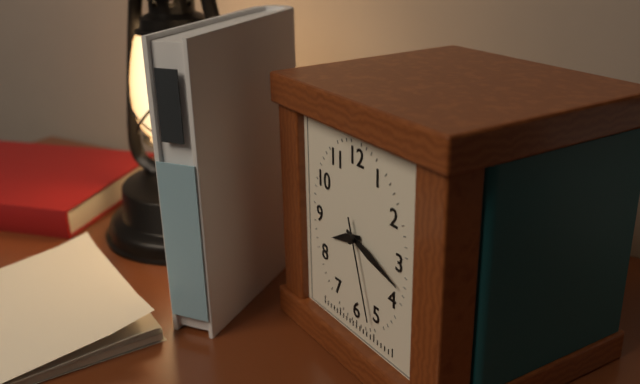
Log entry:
8h18m27s
